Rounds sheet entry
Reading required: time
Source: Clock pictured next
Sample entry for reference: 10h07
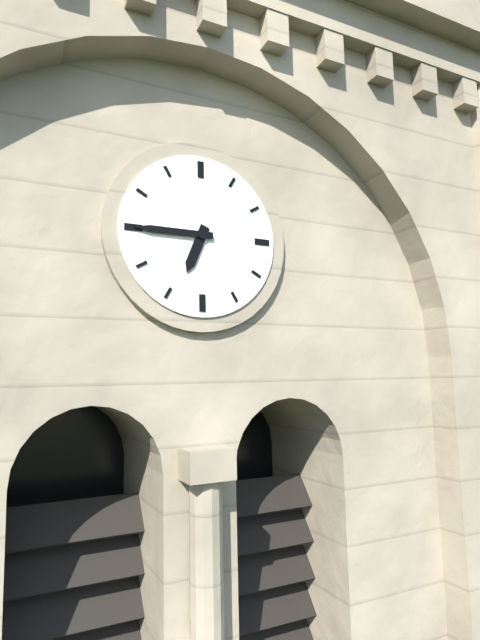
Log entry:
6h45
